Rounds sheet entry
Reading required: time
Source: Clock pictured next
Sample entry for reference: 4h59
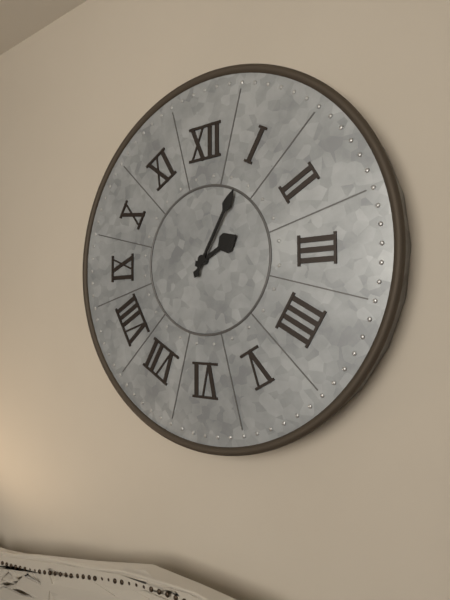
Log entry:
2h05
